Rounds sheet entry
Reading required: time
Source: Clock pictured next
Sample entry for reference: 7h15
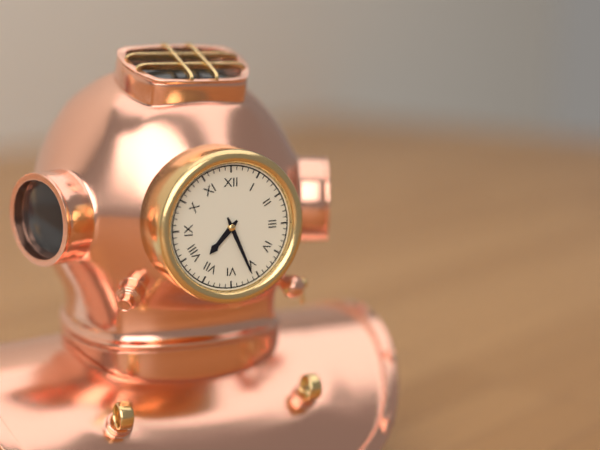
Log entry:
7h26
